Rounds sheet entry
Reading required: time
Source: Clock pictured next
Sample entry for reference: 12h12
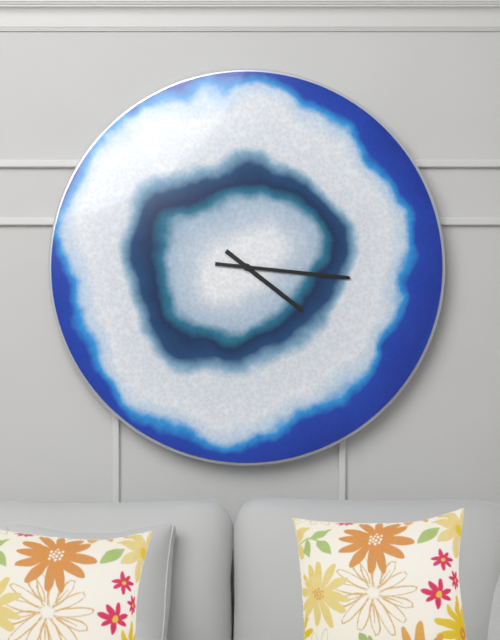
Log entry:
4h16
